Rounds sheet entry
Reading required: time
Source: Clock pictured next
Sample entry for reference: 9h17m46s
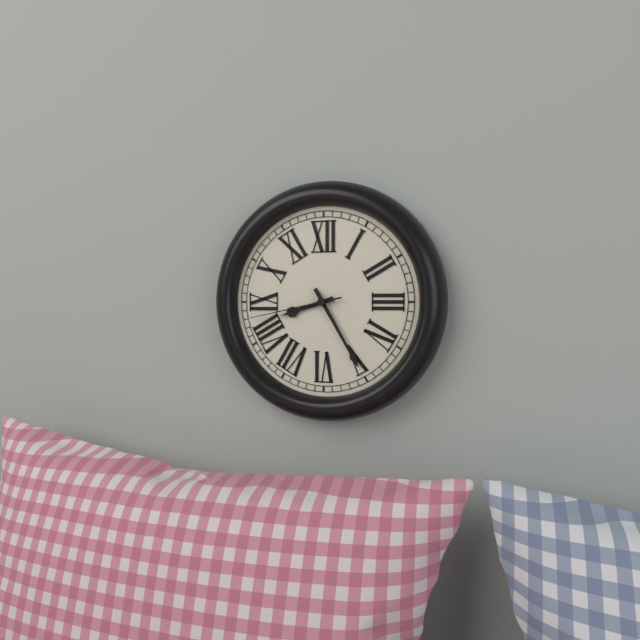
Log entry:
8h25m43s
